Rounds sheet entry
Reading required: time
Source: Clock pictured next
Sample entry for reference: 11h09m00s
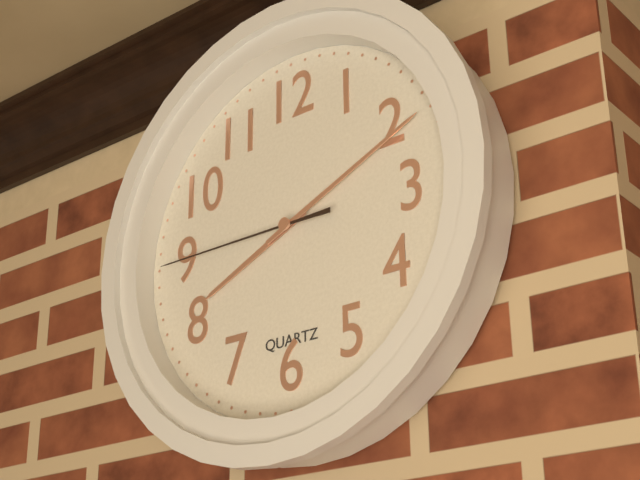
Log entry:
8h11m45s
